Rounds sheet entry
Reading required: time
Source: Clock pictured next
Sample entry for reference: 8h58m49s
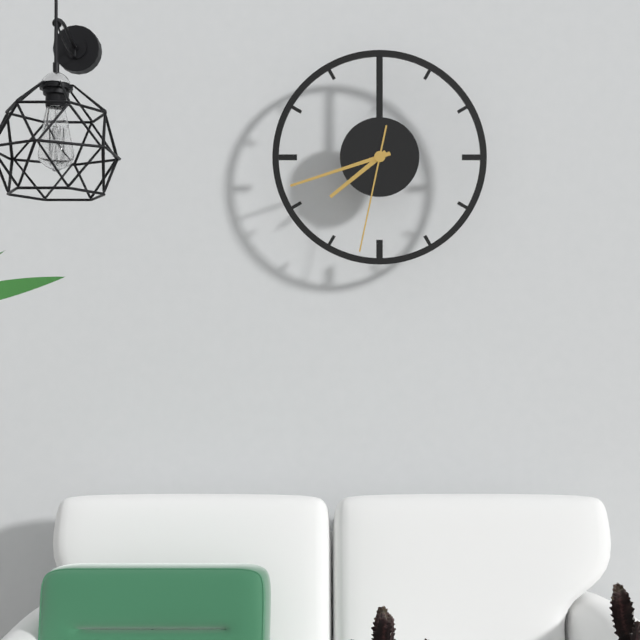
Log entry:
7h42m32s
